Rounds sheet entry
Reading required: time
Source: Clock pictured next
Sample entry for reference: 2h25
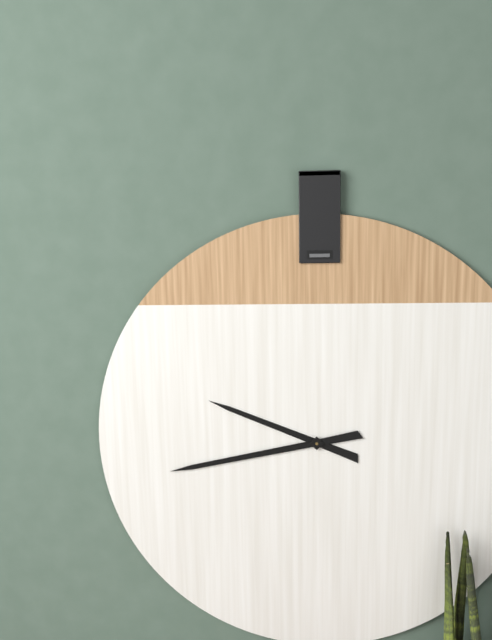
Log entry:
9h43
